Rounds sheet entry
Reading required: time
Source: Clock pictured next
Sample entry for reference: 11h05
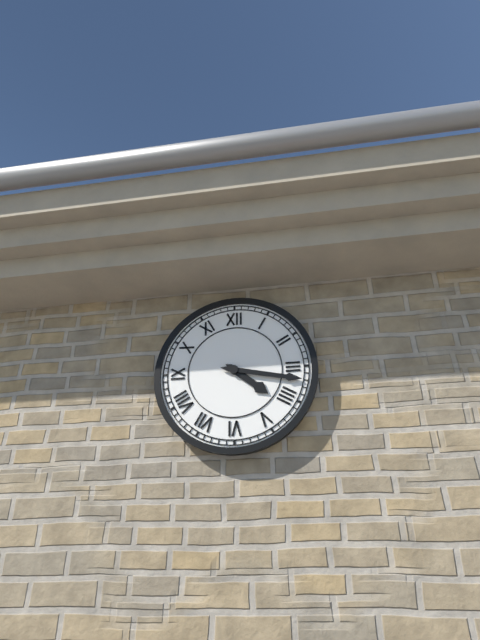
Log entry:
4h17
